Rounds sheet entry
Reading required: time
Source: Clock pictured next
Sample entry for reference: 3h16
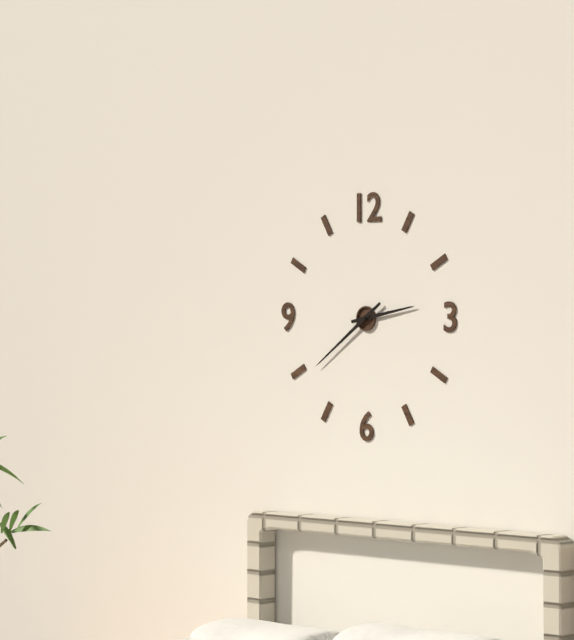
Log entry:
2h39
